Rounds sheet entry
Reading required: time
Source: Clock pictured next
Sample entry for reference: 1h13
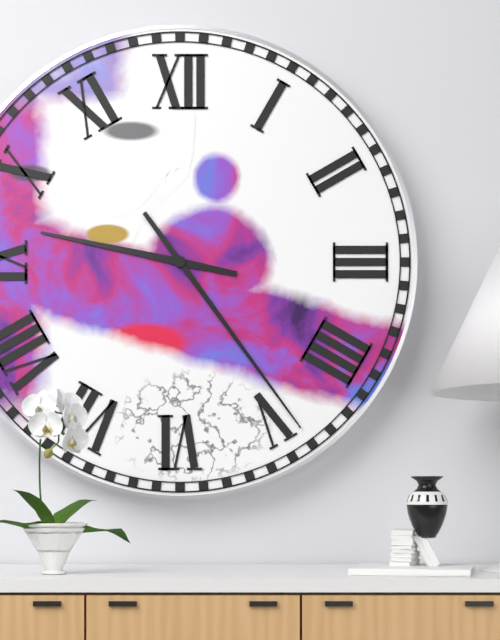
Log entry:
9h24
